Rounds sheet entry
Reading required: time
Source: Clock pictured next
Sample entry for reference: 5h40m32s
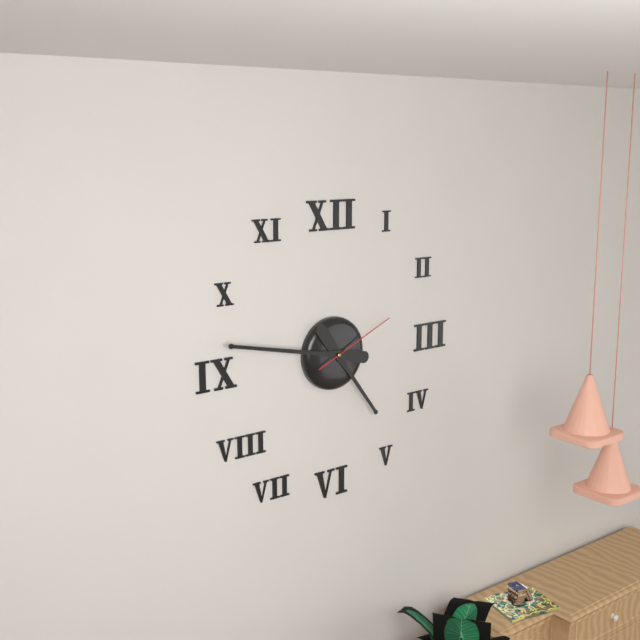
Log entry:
4h47m11s
